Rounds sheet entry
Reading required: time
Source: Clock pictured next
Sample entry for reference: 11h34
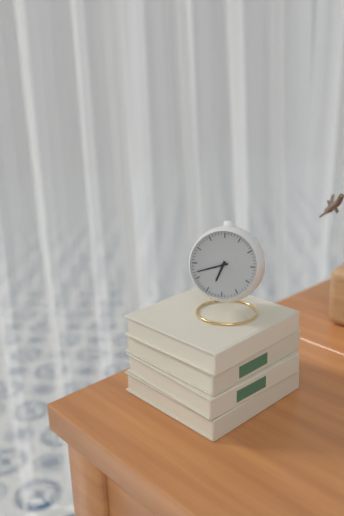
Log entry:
6h42
